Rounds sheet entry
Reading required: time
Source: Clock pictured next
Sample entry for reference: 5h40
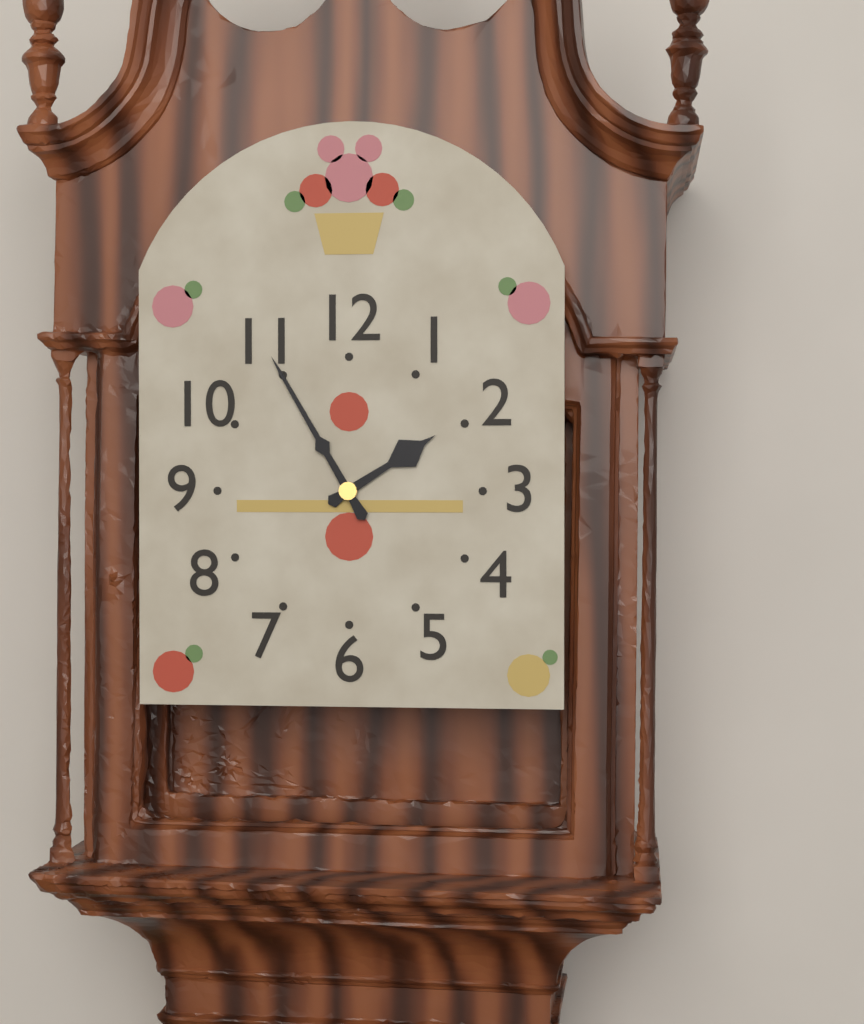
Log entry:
1h55
